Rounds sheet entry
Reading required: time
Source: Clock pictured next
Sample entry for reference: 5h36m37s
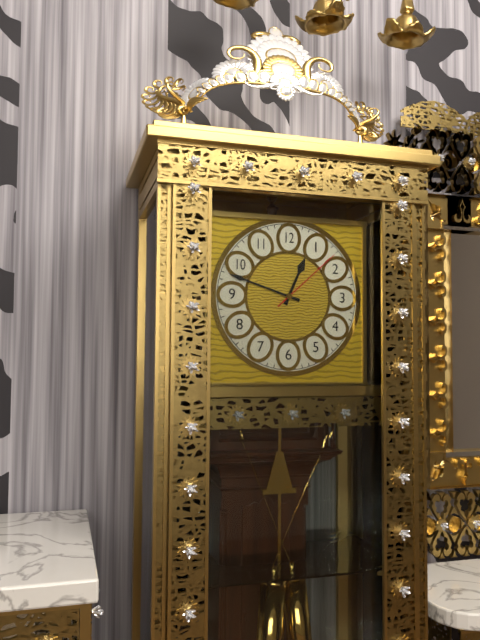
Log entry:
12h48m08s
